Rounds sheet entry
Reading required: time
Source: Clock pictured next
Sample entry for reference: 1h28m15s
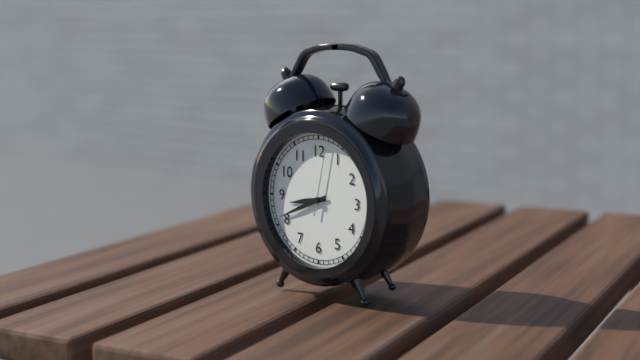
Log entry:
8h41m02s
